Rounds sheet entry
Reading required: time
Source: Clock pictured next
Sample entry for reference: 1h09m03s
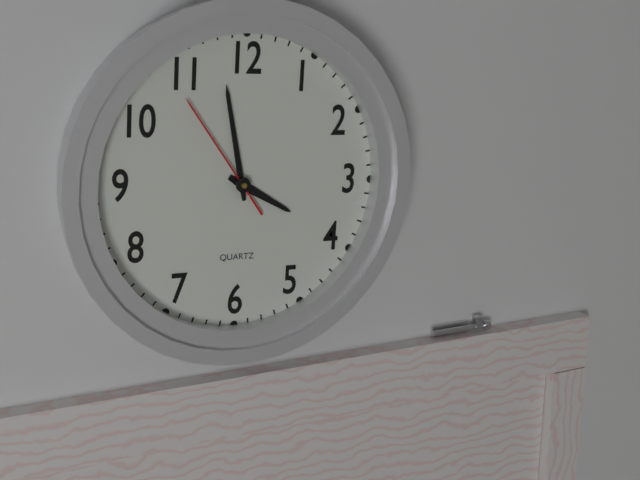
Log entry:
3h58m54s
